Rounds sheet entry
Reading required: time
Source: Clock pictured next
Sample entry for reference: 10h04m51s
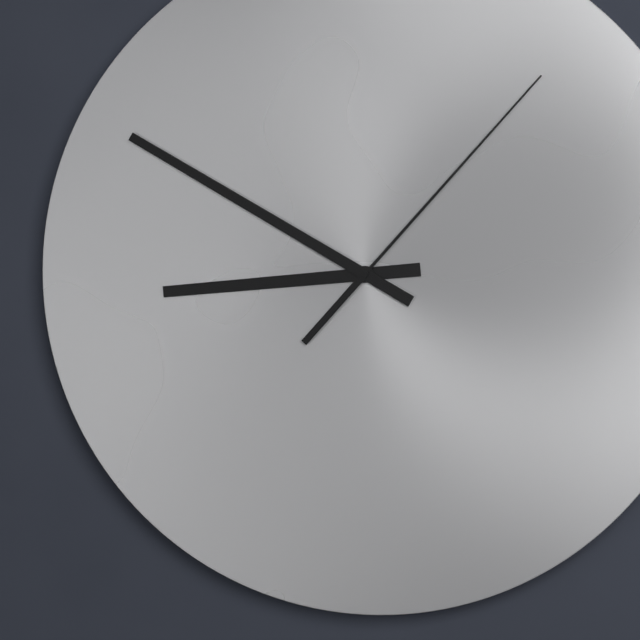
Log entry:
8h50m07s
